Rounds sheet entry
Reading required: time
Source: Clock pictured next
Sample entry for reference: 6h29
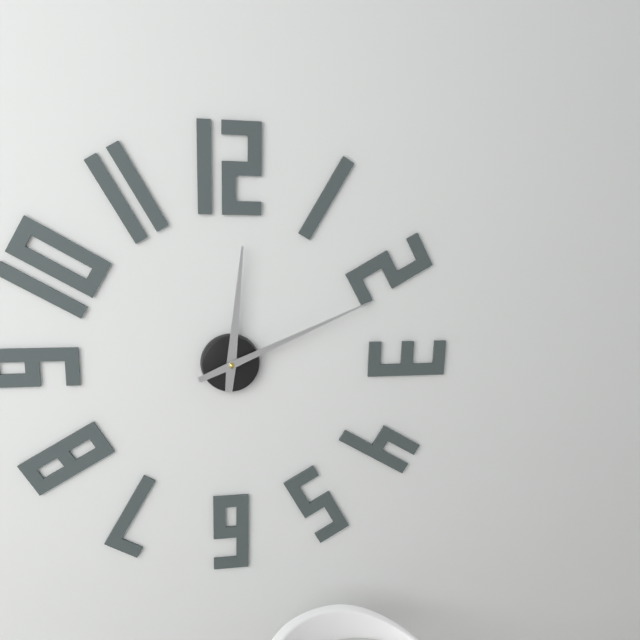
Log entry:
12h11
